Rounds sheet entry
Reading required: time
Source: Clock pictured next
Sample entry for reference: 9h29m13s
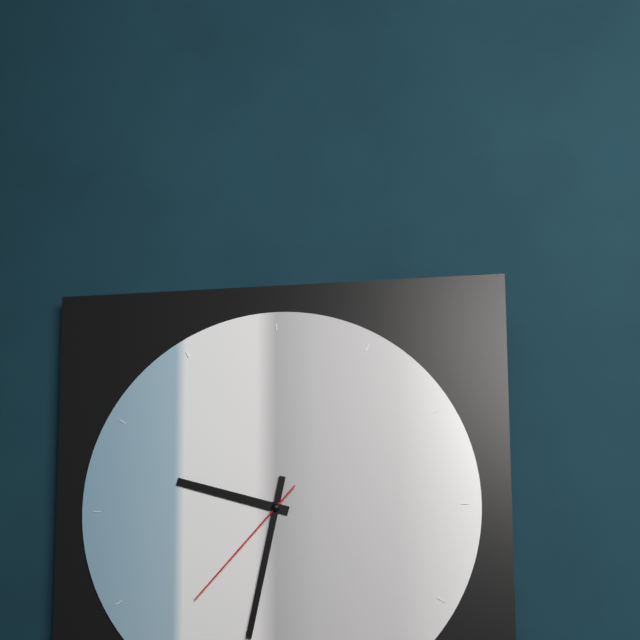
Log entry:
9h32m37s
